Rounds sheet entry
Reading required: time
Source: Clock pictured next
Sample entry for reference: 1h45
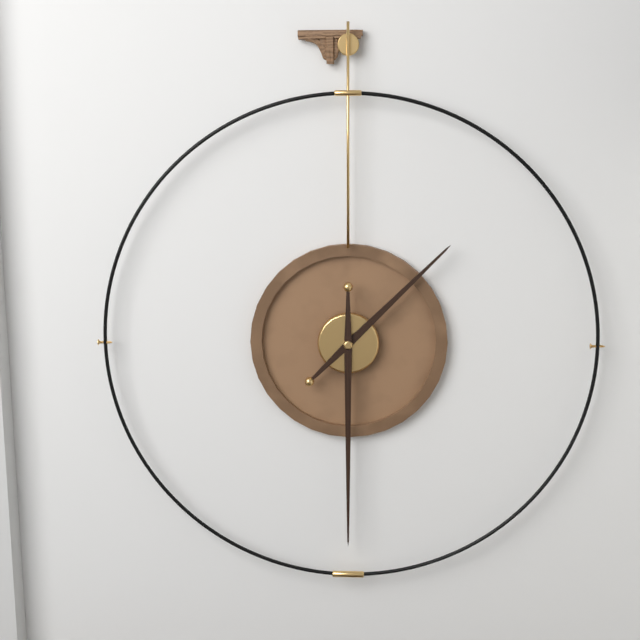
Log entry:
1h30
